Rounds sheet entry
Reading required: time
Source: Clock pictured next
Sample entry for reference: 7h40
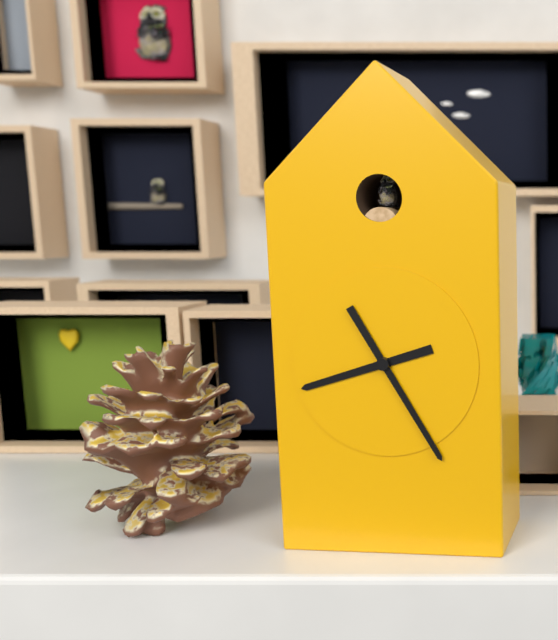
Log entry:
8h25
